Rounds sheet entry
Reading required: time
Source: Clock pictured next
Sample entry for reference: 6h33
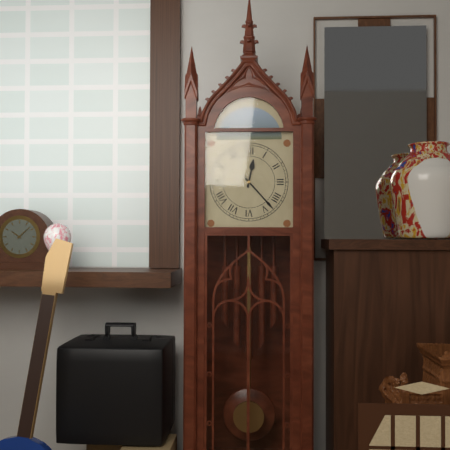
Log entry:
12h23
